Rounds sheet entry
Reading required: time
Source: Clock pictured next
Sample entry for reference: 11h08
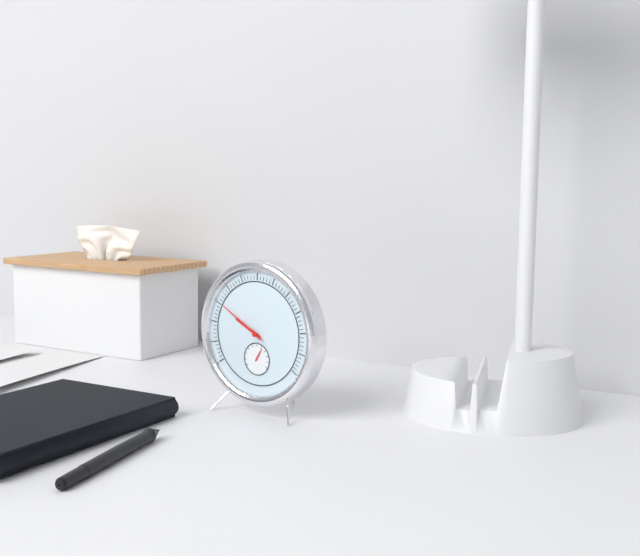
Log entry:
9h50
